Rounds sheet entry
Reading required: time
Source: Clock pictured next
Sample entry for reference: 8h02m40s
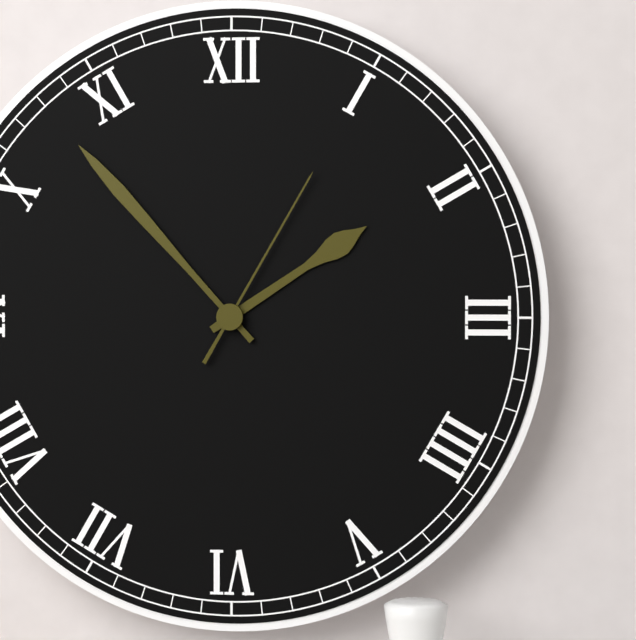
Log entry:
1h53m05s
